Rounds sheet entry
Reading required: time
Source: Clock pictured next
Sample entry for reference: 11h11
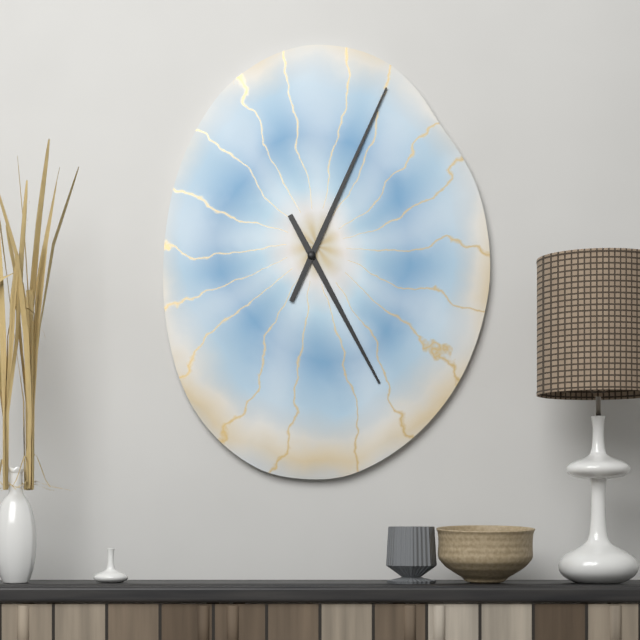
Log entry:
5h04
